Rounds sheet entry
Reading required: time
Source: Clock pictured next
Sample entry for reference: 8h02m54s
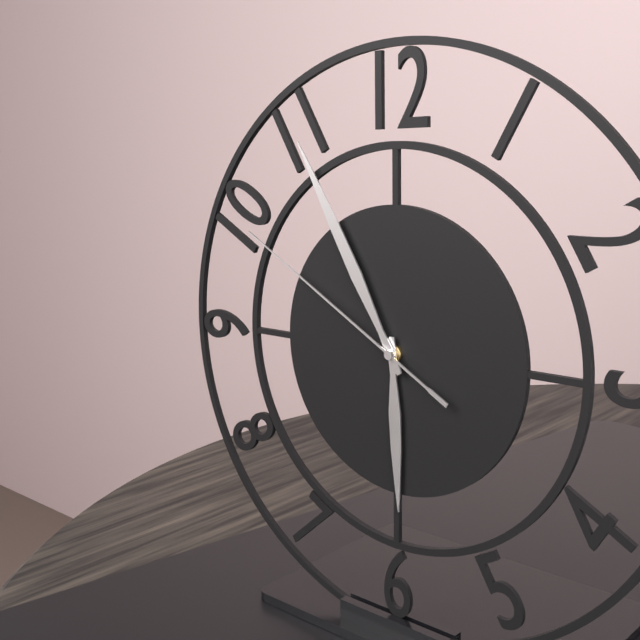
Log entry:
5h55m50s
